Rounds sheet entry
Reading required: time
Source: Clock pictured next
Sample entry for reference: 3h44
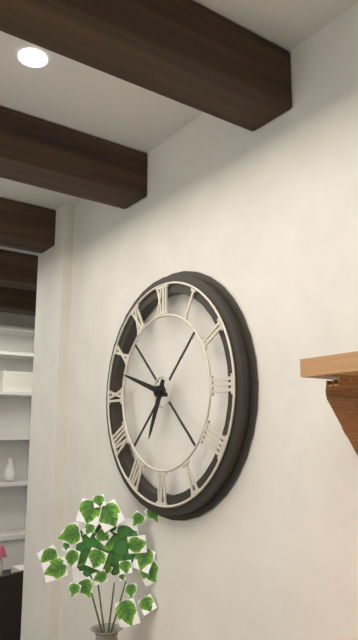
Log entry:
6h48
